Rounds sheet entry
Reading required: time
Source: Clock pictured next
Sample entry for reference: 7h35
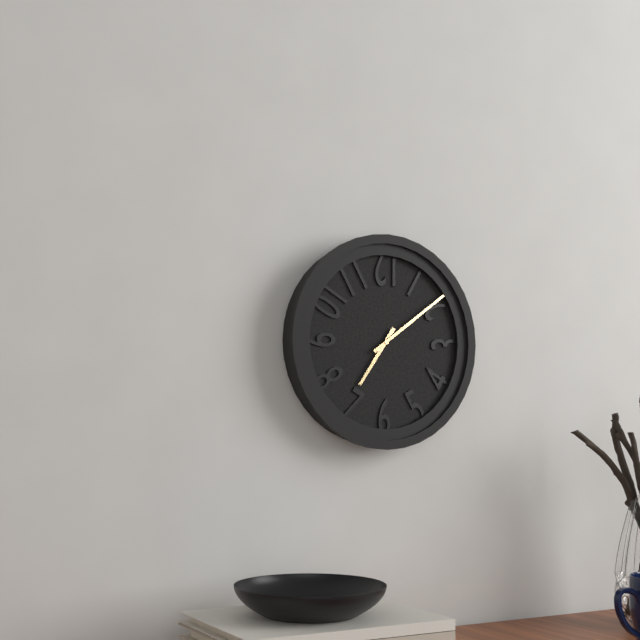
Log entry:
7h09
